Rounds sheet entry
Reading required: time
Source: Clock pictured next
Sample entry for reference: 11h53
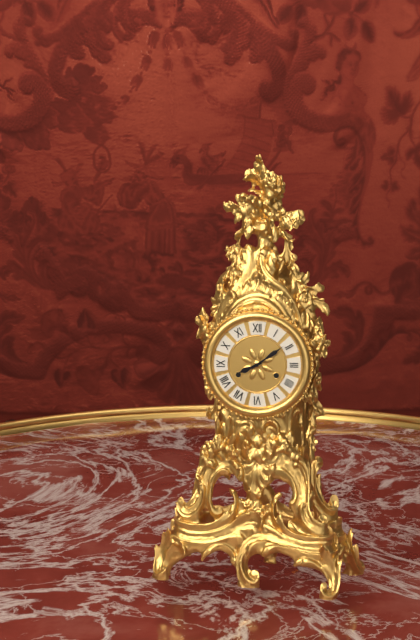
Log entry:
8h09
